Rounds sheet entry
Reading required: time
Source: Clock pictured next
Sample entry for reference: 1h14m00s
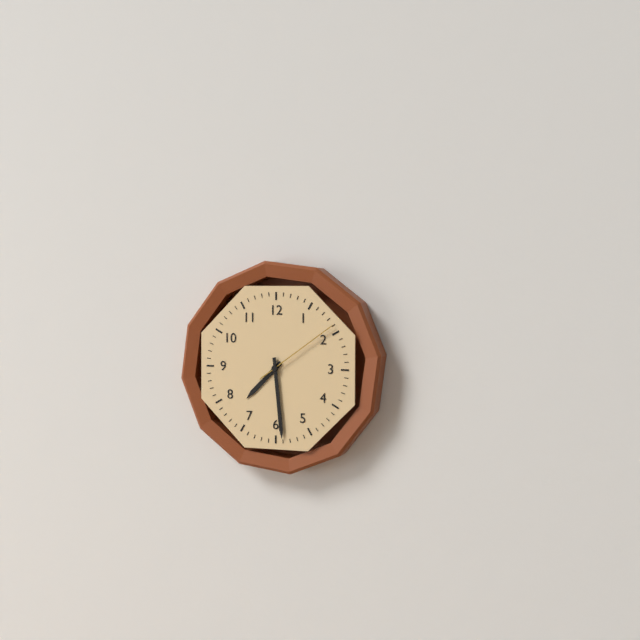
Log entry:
7h29m09s
